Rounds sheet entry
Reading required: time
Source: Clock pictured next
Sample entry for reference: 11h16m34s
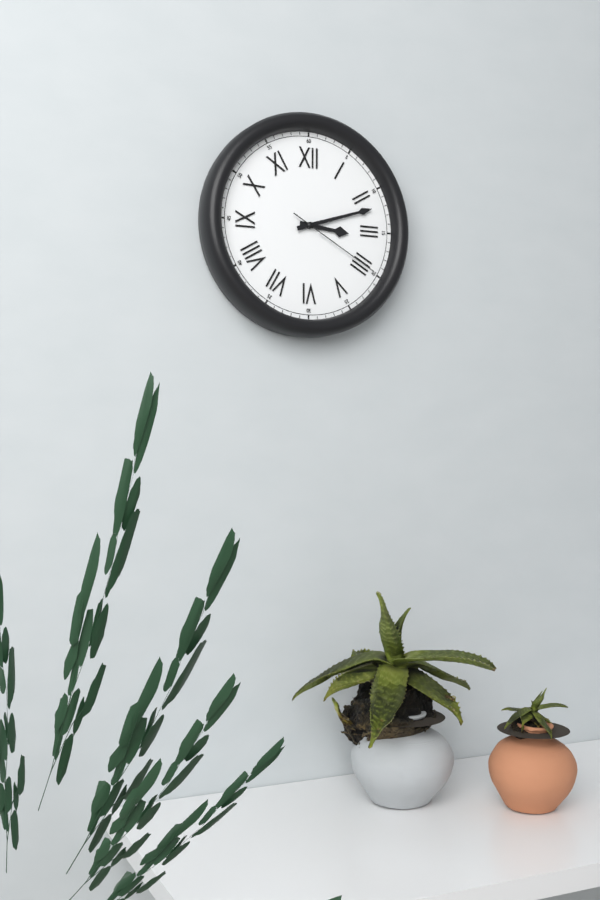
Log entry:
3h12m20s
